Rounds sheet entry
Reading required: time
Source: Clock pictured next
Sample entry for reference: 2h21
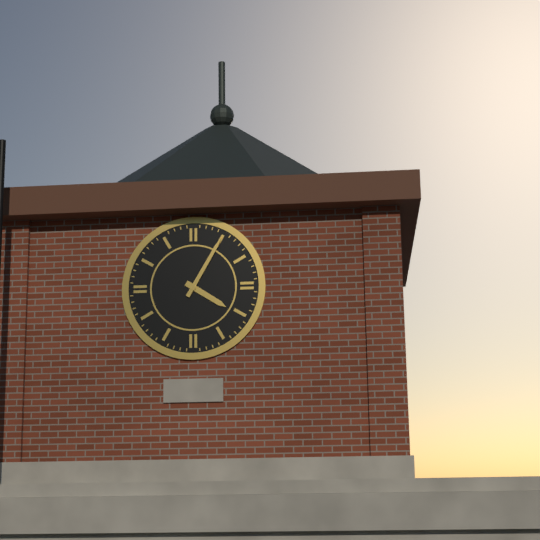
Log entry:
4h05
